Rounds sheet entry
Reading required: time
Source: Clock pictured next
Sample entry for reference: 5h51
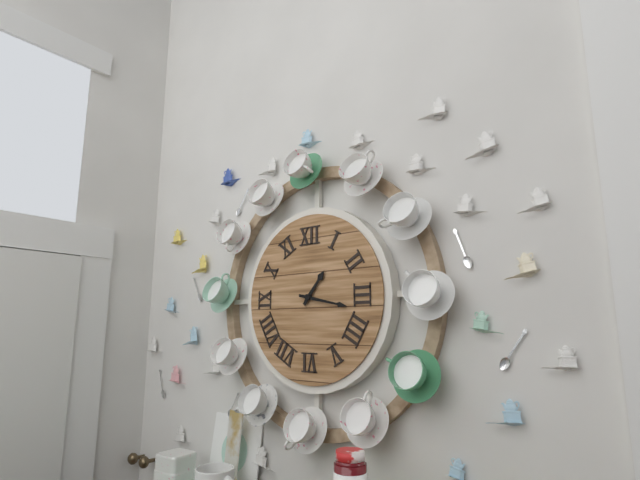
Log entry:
1h17
